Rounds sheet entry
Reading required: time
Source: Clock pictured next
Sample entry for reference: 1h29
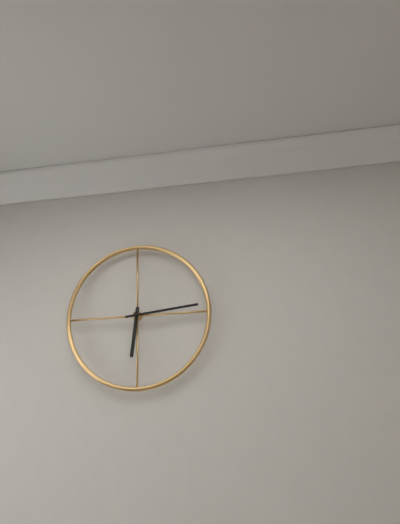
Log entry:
6h14
